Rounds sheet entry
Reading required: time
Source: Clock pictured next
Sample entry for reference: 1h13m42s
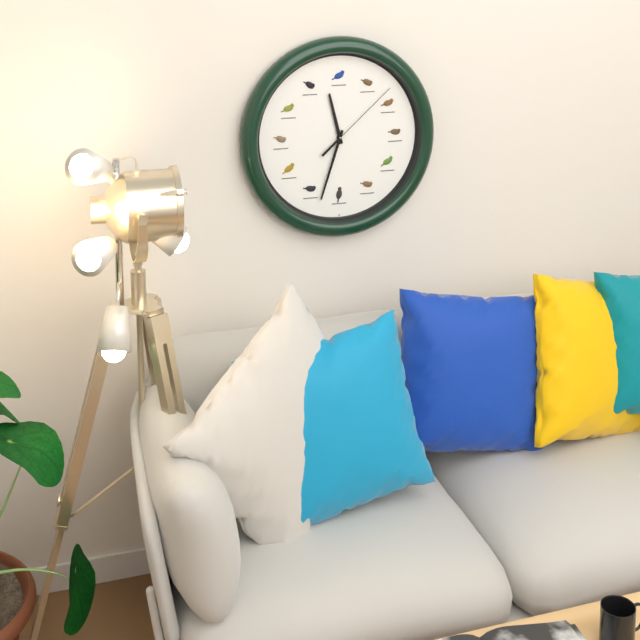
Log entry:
11h33m08s
